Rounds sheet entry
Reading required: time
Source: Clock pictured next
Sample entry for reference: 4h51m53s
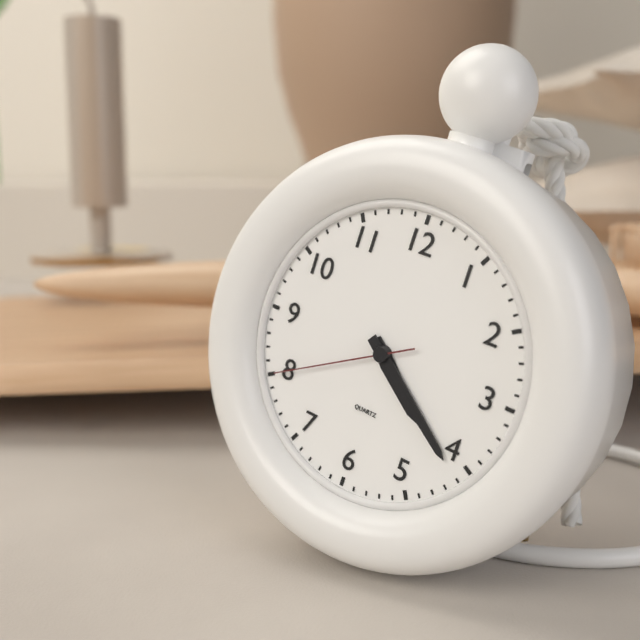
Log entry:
4h21m40s
